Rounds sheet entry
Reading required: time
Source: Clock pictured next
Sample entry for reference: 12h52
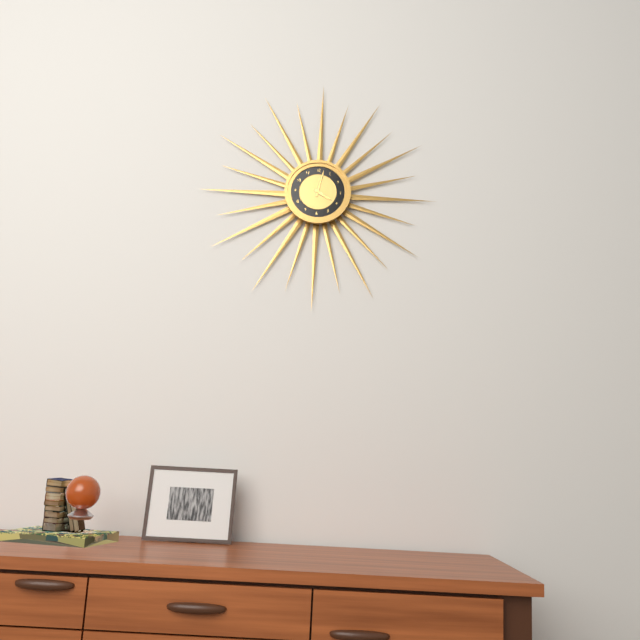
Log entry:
4h02
